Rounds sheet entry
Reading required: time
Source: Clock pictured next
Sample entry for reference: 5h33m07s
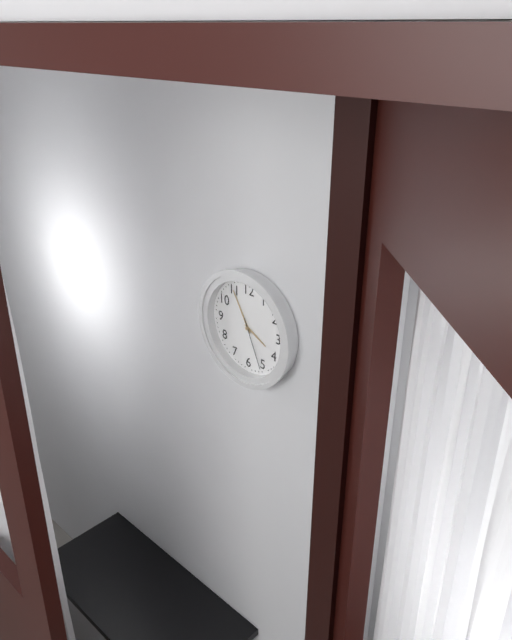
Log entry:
3h55m26s
